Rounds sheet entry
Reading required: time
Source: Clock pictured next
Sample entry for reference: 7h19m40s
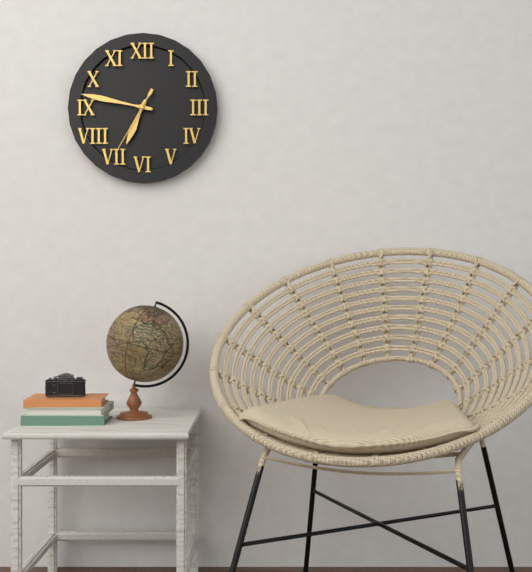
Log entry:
6h47m35s
